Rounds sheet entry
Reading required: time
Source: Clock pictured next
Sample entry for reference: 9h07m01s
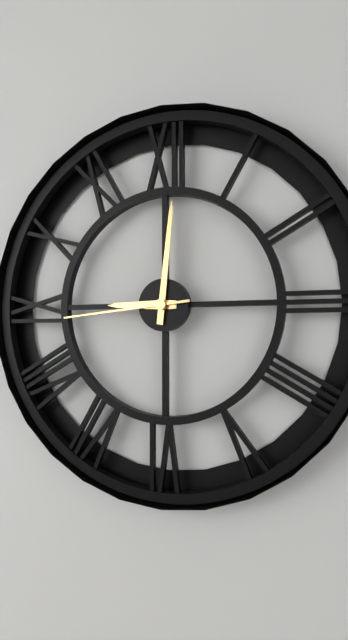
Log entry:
9h01m44s
